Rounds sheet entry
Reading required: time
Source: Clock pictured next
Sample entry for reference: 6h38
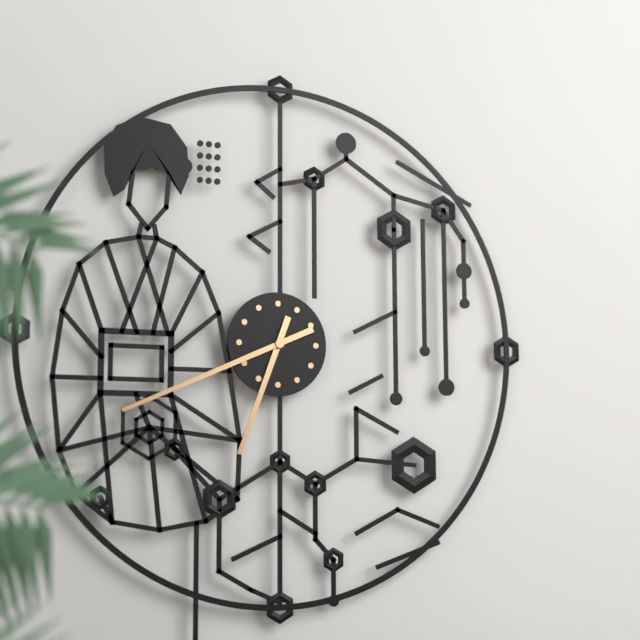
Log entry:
6h41
